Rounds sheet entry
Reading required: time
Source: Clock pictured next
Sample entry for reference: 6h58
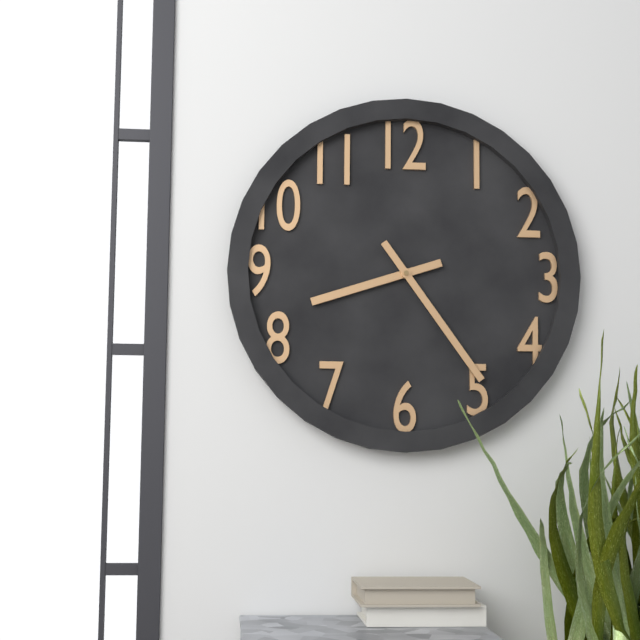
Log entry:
8h24
